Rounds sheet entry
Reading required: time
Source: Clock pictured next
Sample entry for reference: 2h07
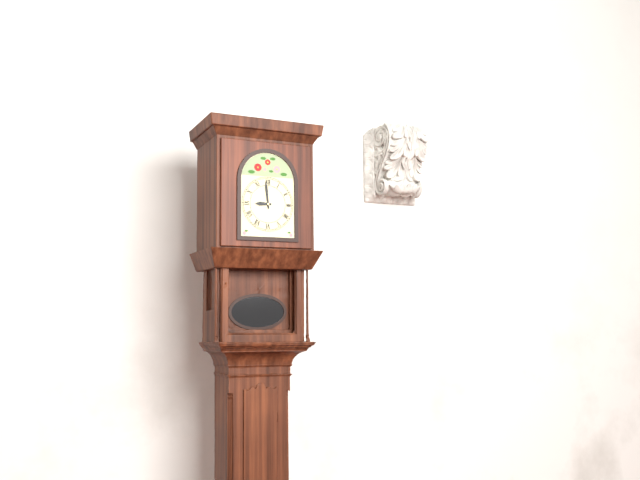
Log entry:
8h59
